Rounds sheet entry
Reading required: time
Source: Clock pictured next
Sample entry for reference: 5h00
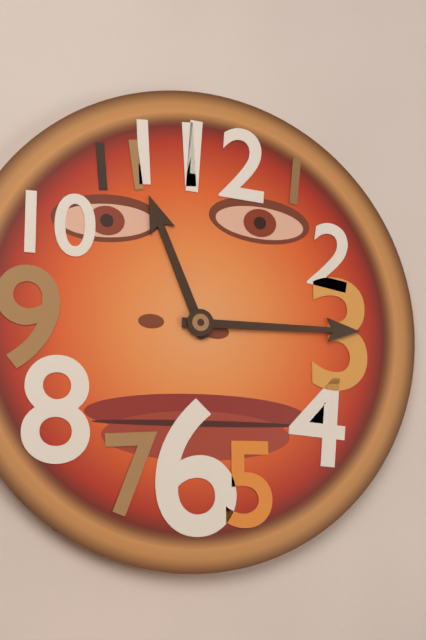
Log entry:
11h15
